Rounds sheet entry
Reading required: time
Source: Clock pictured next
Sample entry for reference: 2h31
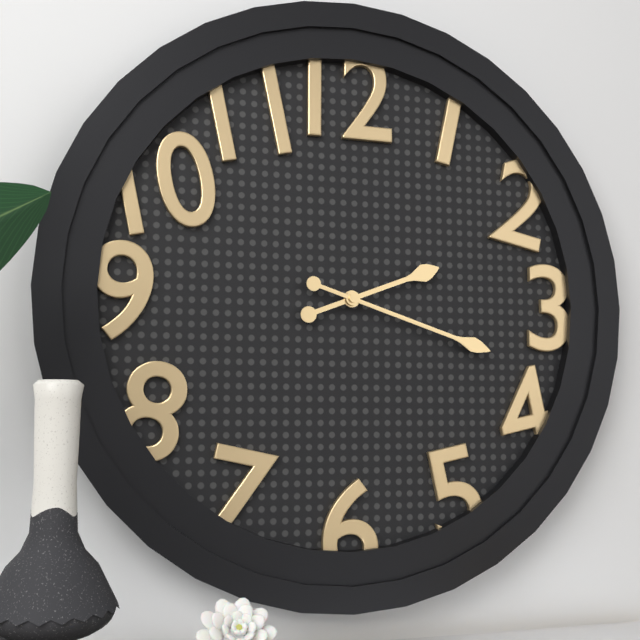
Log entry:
2h18
